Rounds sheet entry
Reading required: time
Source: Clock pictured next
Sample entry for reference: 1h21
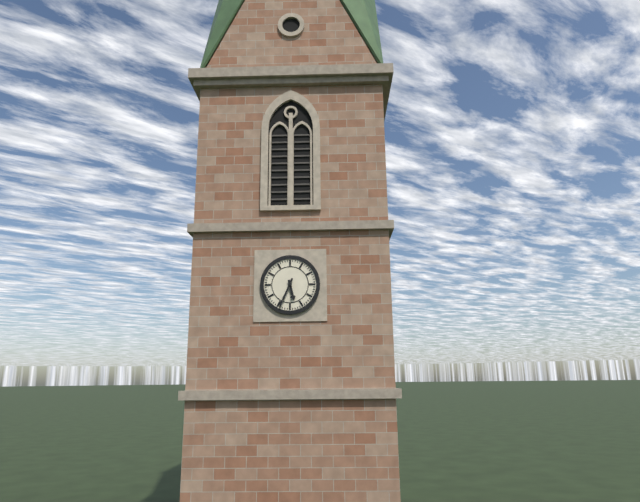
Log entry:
5h34
